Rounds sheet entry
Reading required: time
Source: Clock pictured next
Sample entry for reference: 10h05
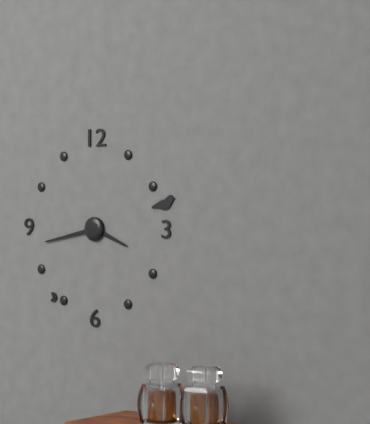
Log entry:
3h43
